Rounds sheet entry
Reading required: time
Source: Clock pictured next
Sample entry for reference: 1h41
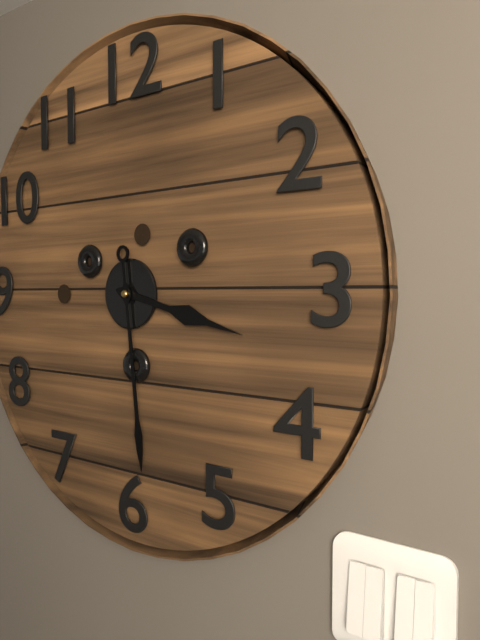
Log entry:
3h29
